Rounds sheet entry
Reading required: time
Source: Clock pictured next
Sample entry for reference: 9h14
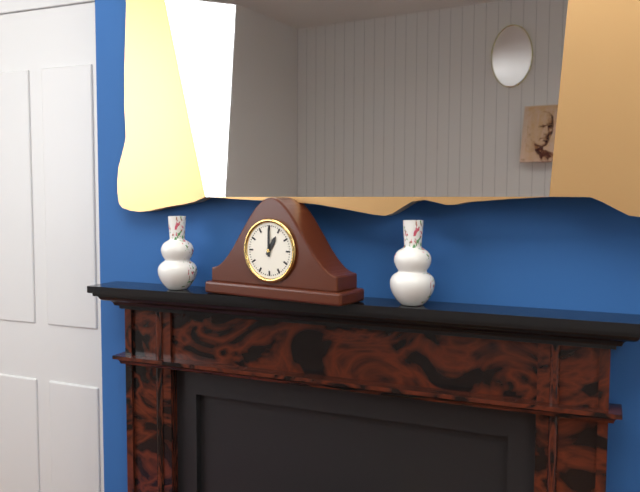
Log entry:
1h00
